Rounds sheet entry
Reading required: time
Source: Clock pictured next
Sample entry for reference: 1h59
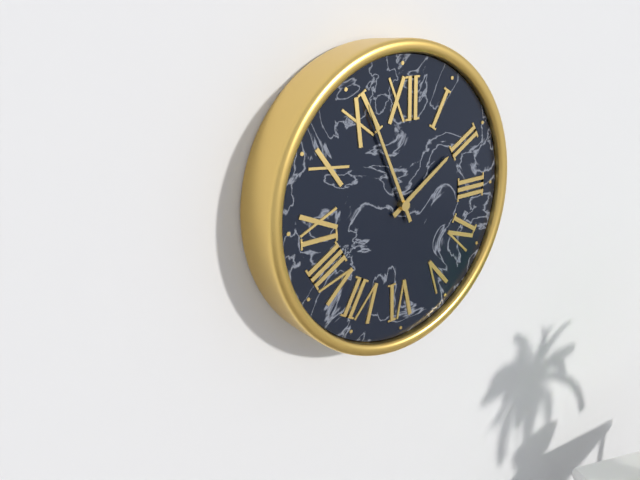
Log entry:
1h56
